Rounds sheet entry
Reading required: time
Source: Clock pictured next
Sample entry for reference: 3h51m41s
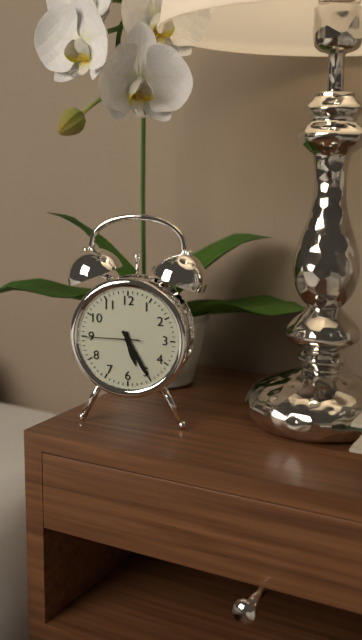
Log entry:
5h25m45s
